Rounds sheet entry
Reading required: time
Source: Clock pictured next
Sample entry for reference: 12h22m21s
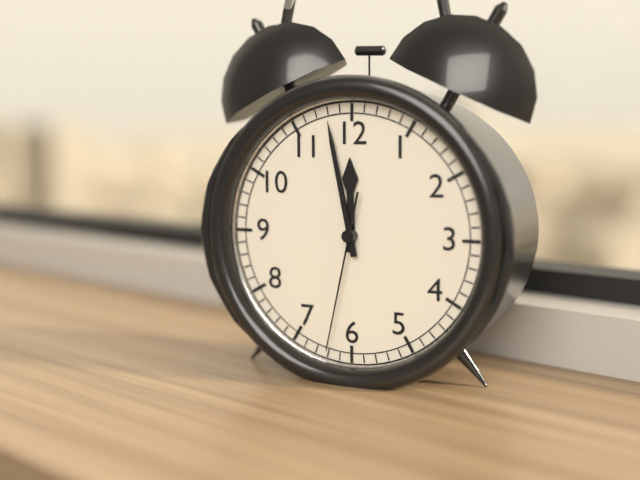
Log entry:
11h58m32s
